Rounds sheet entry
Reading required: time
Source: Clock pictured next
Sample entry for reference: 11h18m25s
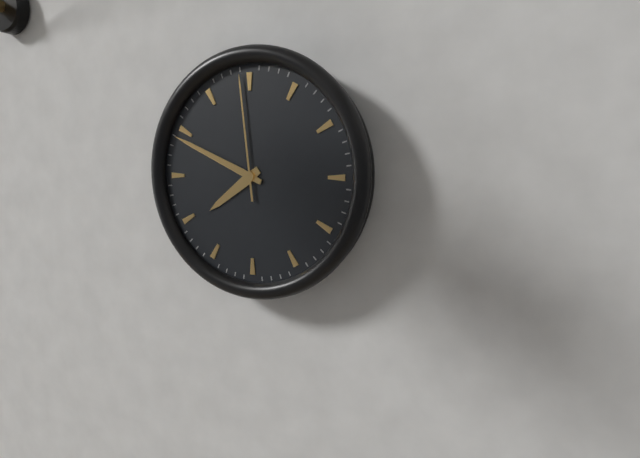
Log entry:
7h49m59s
